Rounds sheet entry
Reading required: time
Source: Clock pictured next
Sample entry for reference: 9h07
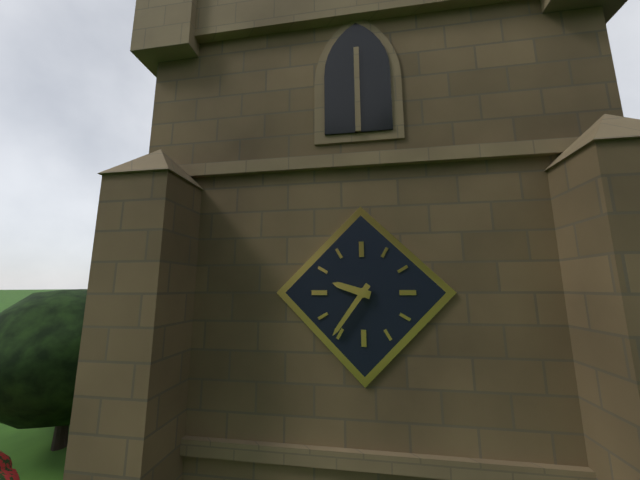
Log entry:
9h36
